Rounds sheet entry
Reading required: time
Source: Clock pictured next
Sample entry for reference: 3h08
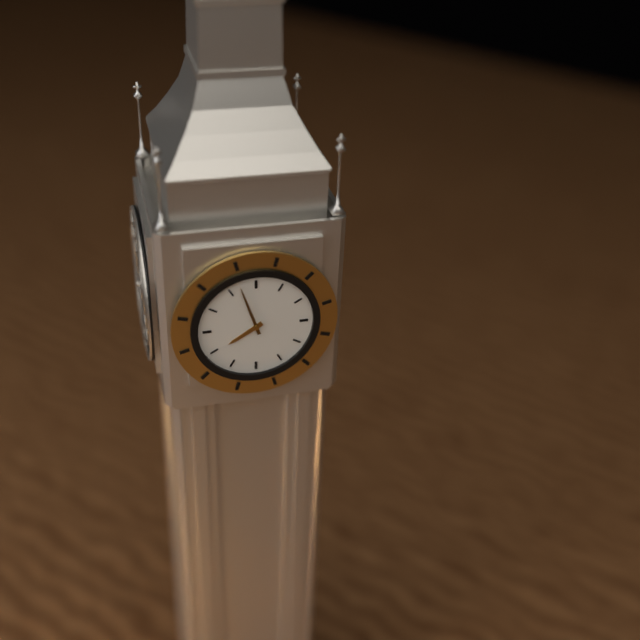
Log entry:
7h57
